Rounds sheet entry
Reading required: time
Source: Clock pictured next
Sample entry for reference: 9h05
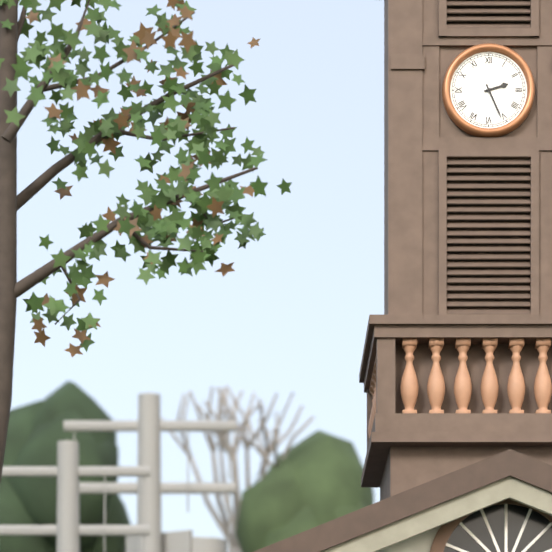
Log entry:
2h26
